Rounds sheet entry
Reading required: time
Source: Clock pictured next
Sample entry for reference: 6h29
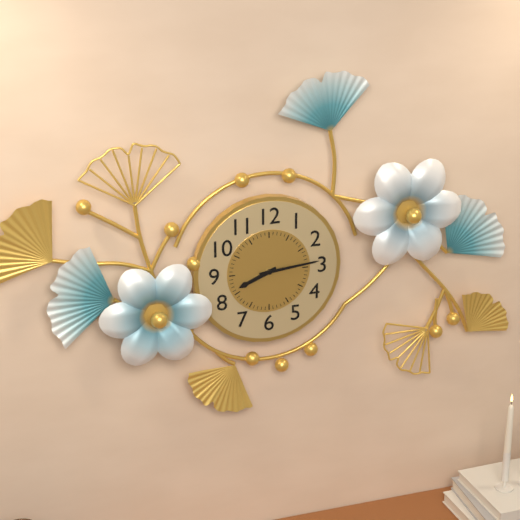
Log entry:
8h14
